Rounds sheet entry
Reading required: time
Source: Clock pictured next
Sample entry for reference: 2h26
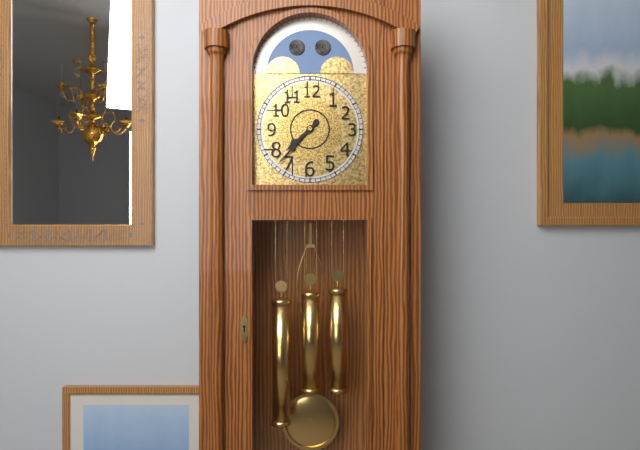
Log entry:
7h37
